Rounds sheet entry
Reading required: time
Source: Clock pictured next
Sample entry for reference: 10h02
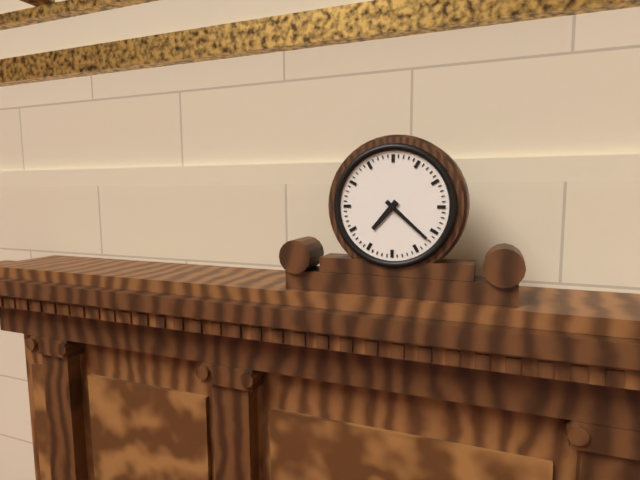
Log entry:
7h22
